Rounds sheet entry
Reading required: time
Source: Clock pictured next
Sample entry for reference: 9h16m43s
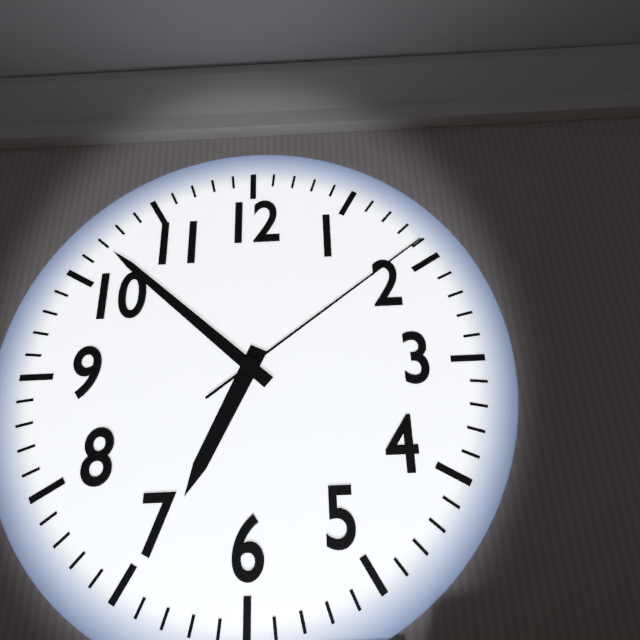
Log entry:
6h52m09s
